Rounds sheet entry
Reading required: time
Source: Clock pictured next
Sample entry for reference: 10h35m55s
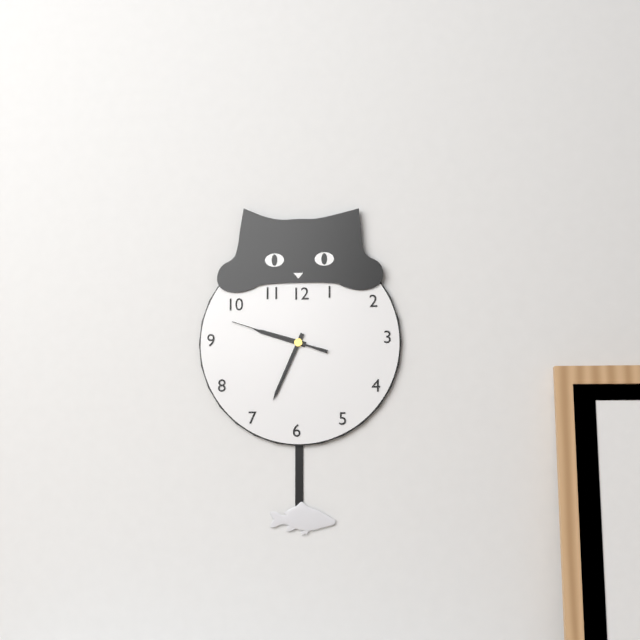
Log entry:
9h34m48s
